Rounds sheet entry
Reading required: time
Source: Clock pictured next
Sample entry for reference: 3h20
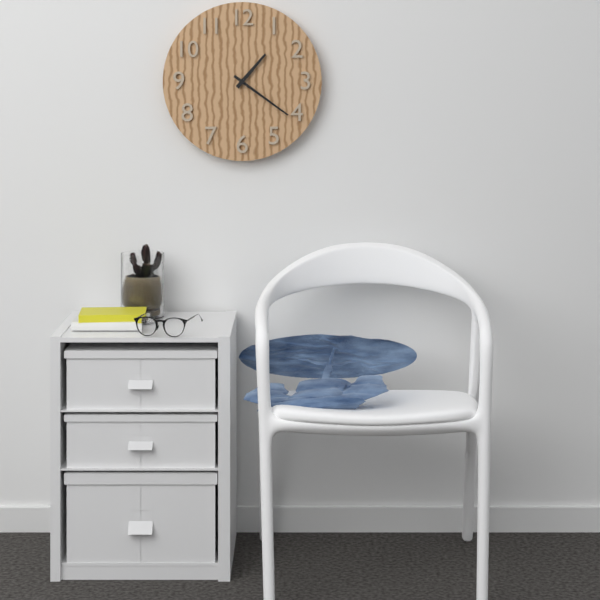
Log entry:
1h21
